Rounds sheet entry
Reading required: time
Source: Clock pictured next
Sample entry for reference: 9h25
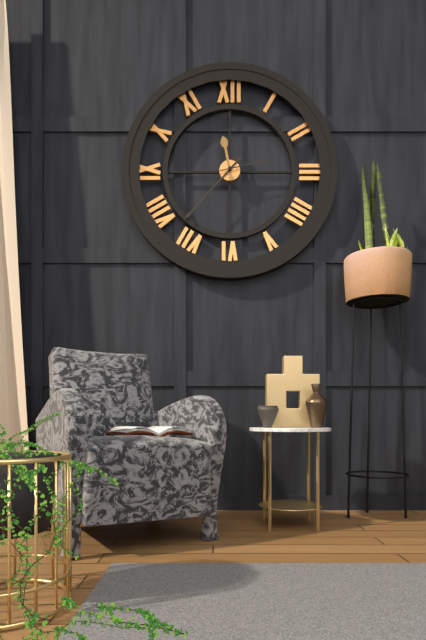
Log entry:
11h37
